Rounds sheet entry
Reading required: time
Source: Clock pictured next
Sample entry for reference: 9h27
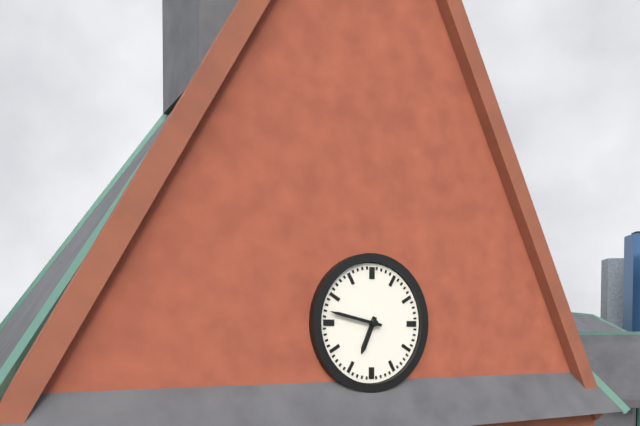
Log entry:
6h47
